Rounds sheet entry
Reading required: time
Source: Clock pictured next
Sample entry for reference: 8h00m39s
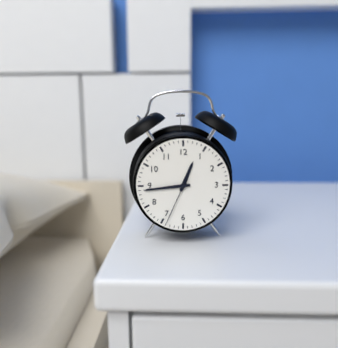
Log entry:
12h44m34s
